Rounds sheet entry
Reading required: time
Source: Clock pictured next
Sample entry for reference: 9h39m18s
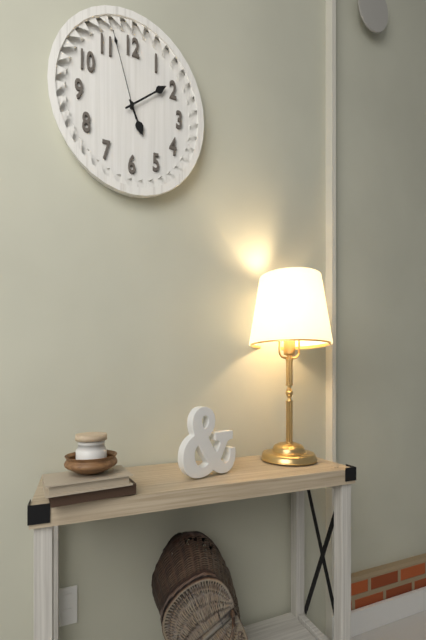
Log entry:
5h09m57s
